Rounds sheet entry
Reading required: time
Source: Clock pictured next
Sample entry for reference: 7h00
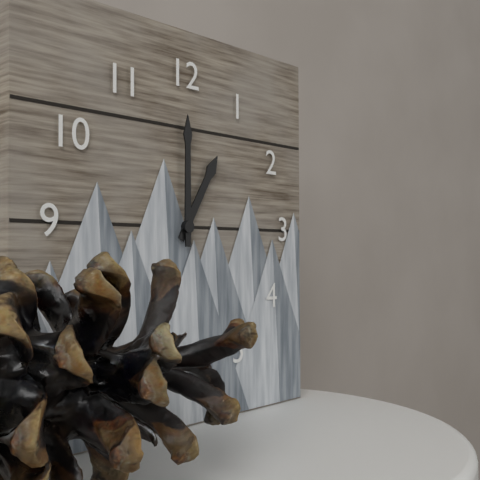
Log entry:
1h00
